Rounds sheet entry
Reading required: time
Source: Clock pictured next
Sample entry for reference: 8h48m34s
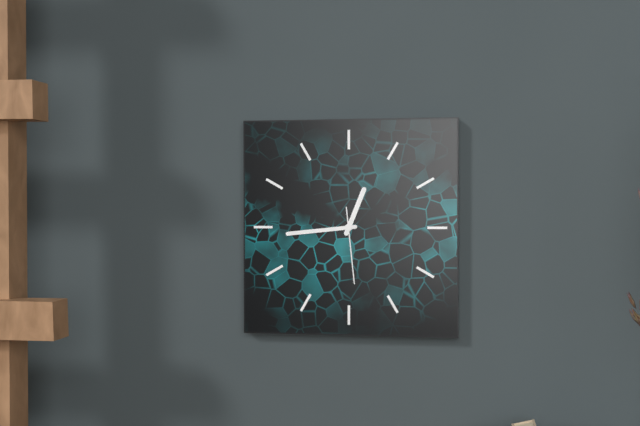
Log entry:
12h44m29s
